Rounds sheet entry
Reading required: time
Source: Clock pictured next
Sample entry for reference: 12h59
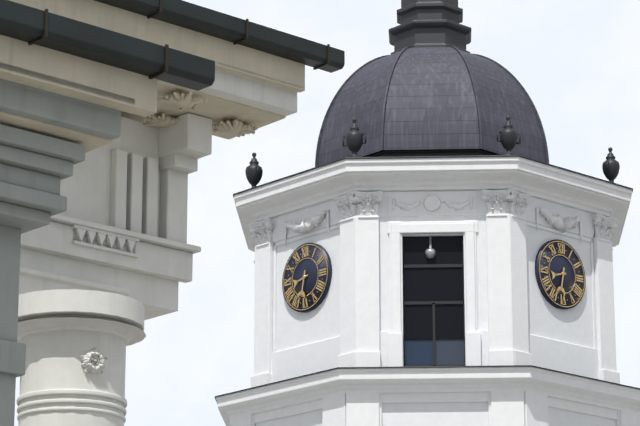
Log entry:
8h32
